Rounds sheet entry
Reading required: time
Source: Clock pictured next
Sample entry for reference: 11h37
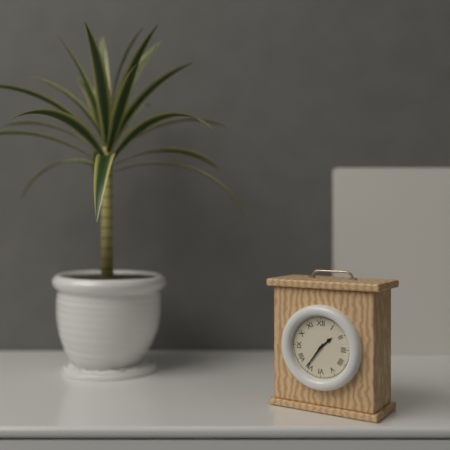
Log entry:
1h36
